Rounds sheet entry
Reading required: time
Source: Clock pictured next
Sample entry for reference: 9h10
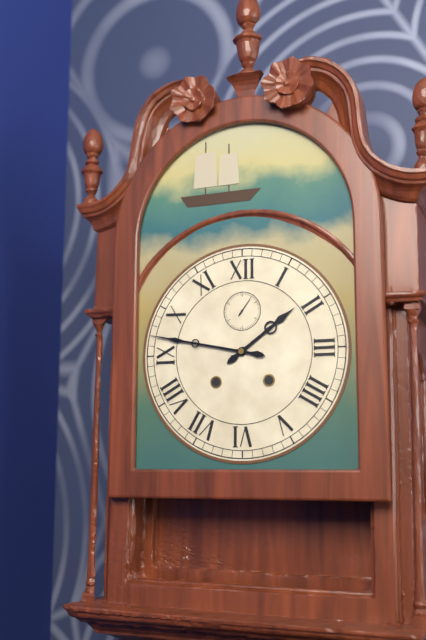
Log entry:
1h47
